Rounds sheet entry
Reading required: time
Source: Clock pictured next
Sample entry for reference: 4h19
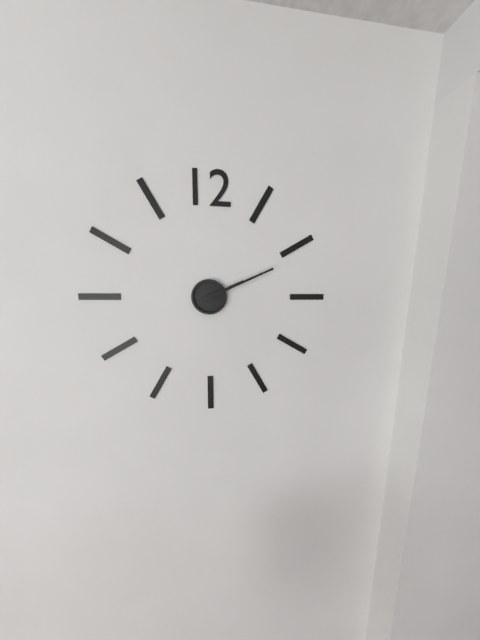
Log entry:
2h11
